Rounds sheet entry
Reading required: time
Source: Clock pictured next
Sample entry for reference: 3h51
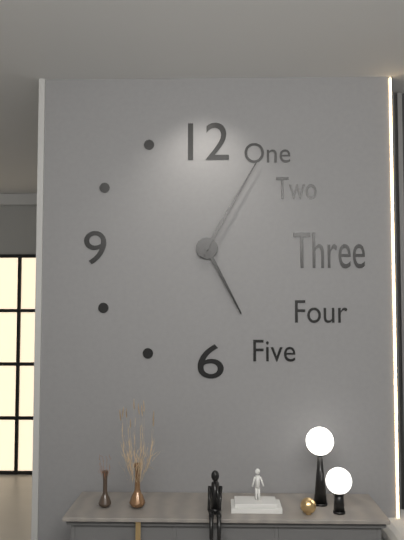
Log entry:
5h05
